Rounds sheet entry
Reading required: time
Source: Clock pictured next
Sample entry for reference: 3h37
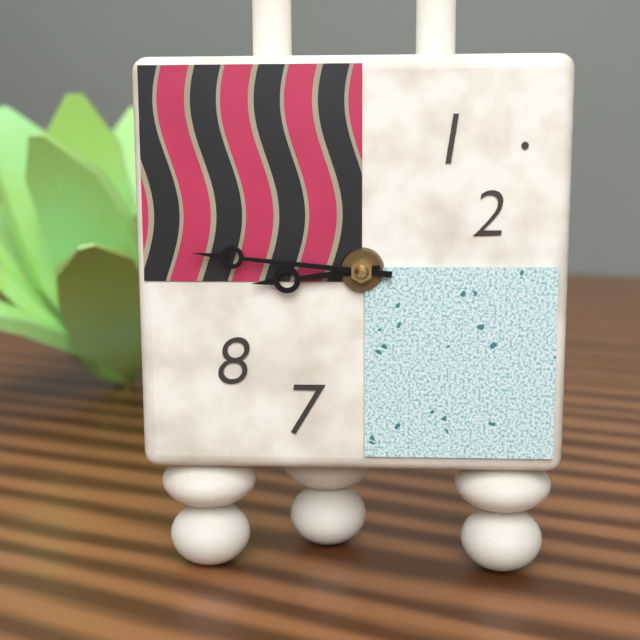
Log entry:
8h46
